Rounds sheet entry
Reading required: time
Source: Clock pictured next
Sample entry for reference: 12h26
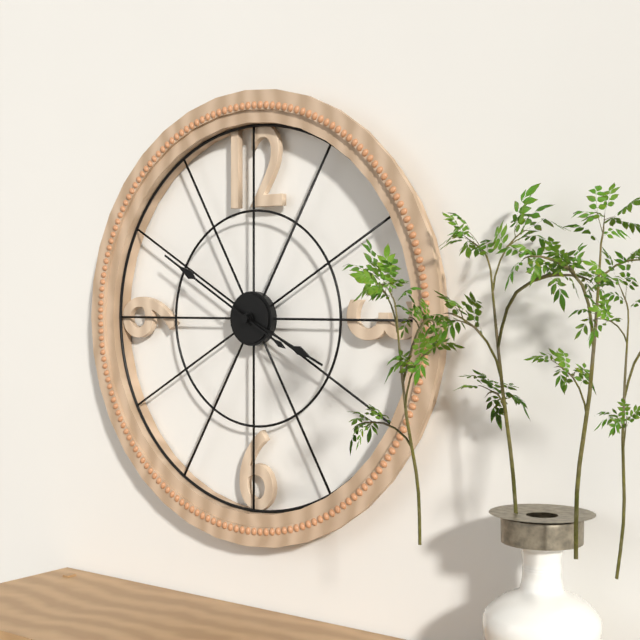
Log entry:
3h50
